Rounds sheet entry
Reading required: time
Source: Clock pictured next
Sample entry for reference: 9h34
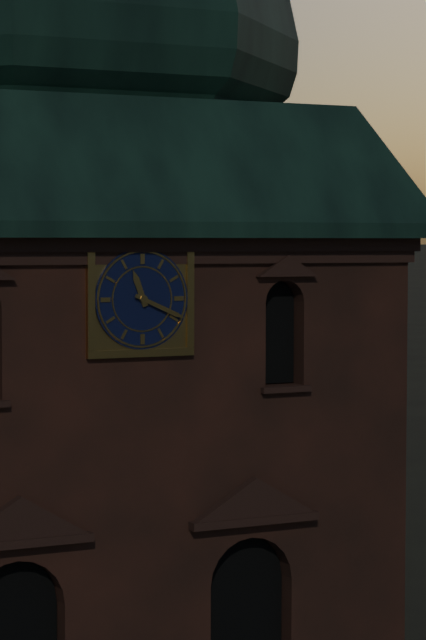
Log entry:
11h19
